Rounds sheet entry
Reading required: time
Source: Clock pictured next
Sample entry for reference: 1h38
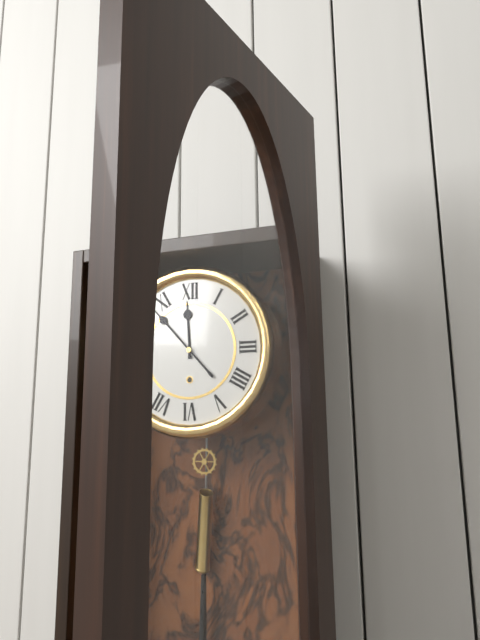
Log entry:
11h53
